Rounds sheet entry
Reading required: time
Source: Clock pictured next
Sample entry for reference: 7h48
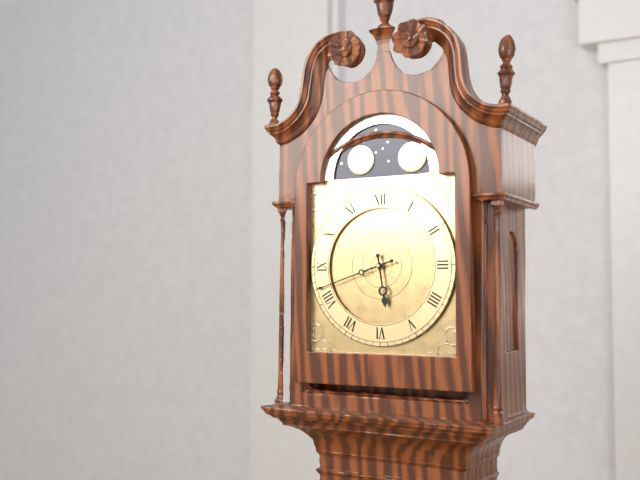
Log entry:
5h42
